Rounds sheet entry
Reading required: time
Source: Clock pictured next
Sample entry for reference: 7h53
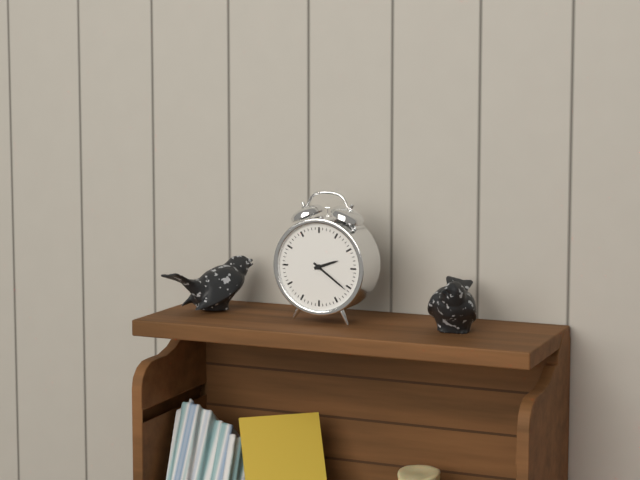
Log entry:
2h21
